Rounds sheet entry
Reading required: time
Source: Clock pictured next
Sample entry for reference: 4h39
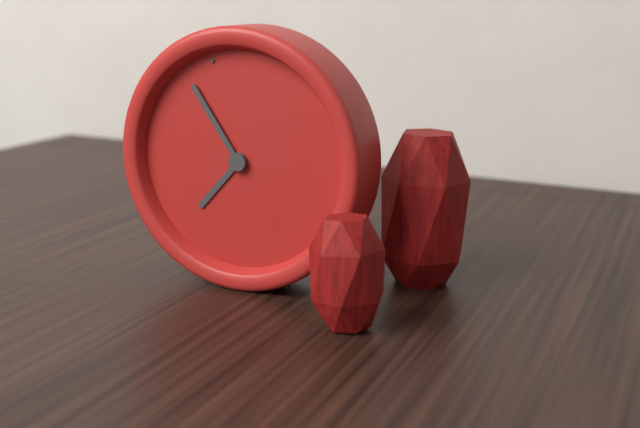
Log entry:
7h57
